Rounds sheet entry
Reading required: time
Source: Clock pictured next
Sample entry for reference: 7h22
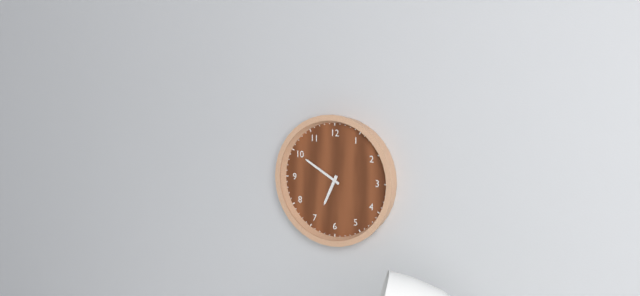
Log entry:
6h50
